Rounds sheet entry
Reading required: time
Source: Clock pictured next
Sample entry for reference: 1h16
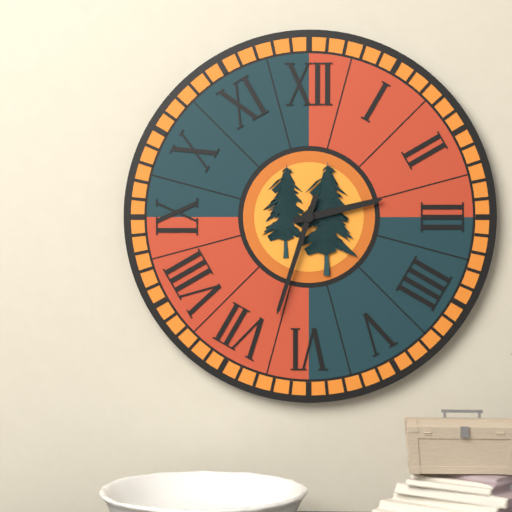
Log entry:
2h33
